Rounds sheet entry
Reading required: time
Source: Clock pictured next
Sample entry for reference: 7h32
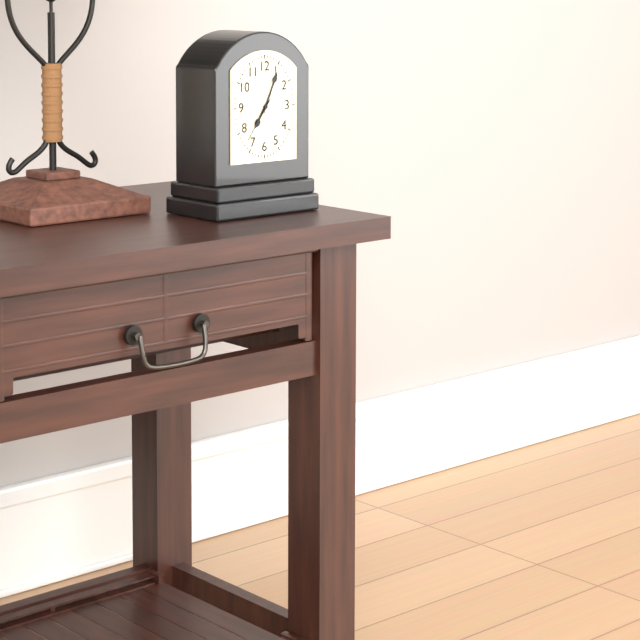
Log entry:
7h04
